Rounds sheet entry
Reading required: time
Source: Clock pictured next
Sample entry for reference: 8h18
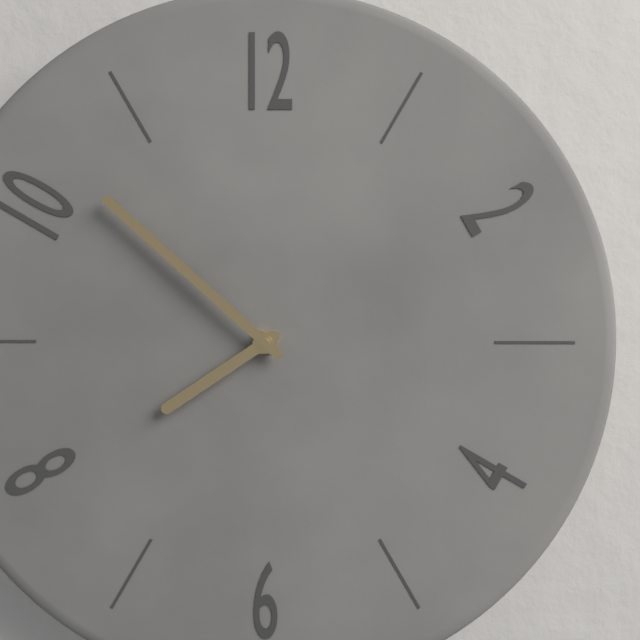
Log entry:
7h52
